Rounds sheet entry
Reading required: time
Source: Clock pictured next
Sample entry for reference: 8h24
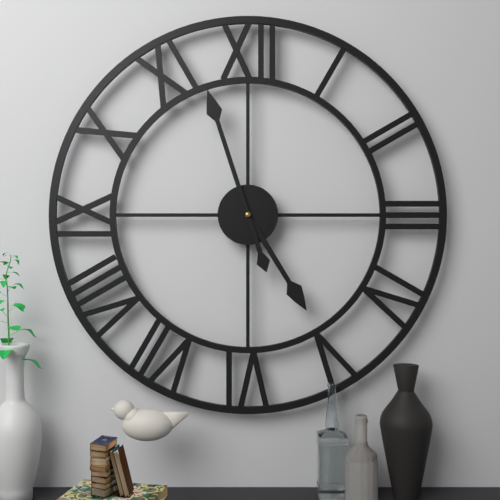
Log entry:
4h57
